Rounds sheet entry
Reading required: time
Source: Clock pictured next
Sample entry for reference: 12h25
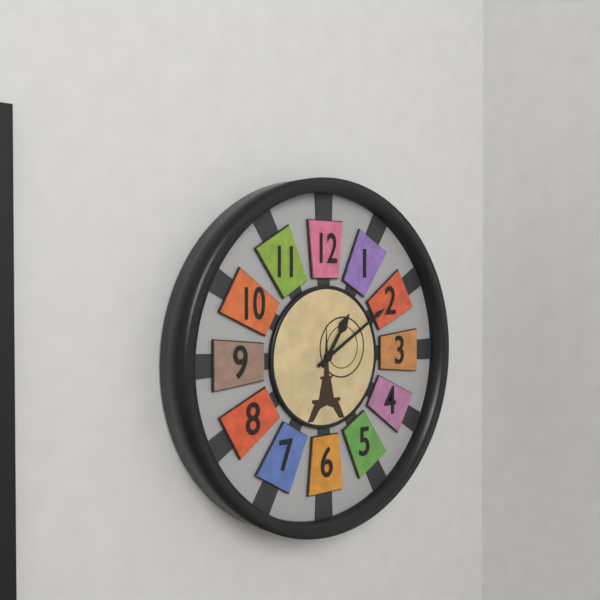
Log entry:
1h10
